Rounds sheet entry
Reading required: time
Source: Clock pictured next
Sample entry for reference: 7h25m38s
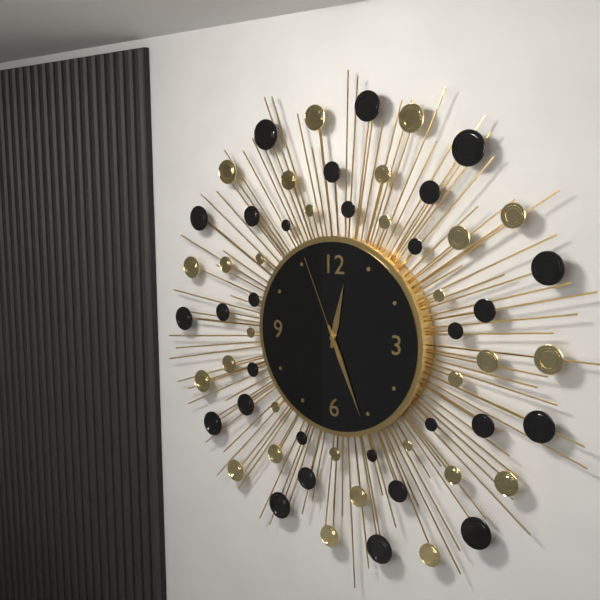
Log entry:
12h26m56s
